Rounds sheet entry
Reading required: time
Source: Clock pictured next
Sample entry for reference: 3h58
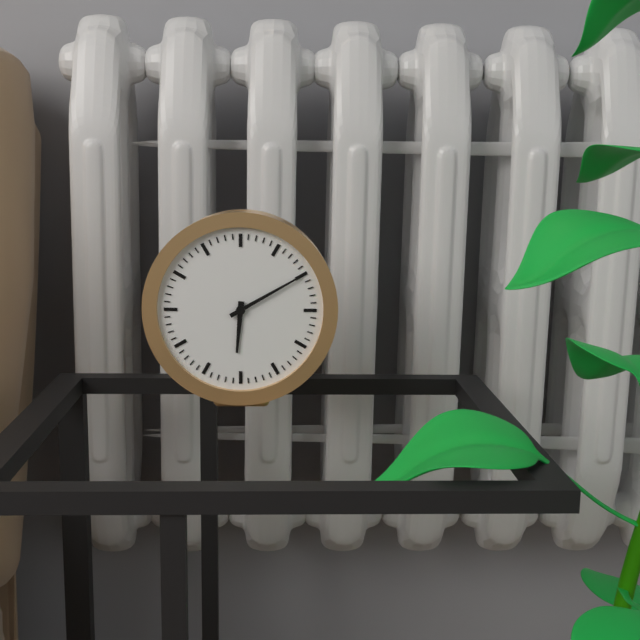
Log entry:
6h10
